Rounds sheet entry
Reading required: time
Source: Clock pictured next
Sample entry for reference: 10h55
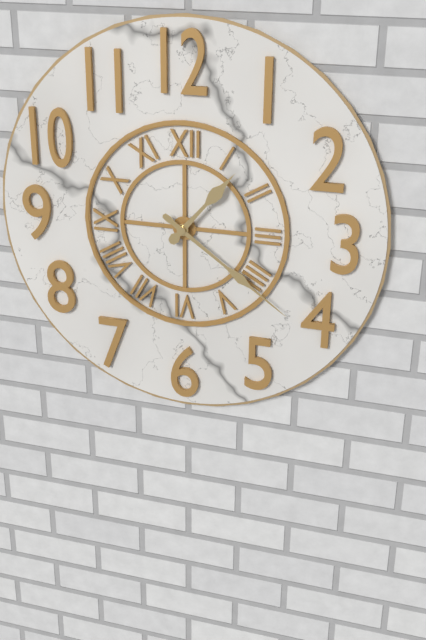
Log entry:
1h21
